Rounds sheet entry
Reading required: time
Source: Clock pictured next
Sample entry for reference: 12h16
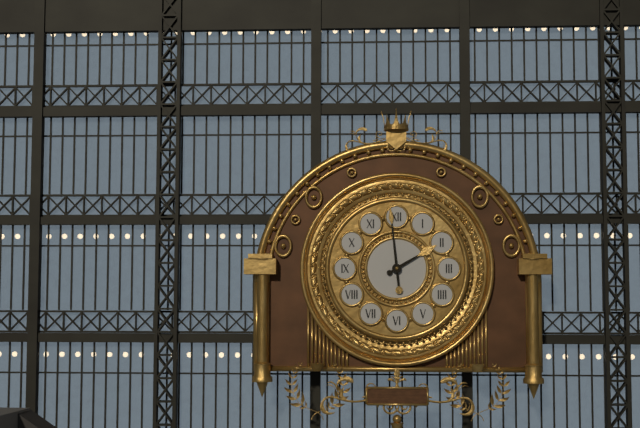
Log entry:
1h59
